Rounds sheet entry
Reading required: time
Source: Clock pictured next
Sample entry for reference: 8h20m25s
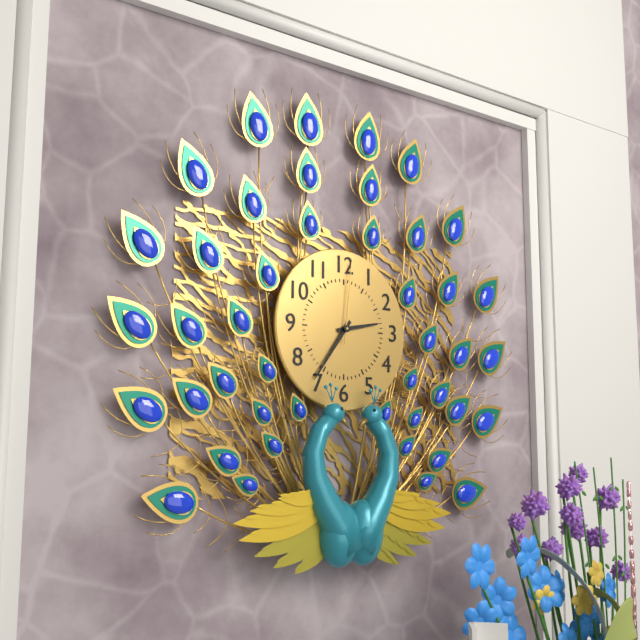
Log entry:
2h36m01s
